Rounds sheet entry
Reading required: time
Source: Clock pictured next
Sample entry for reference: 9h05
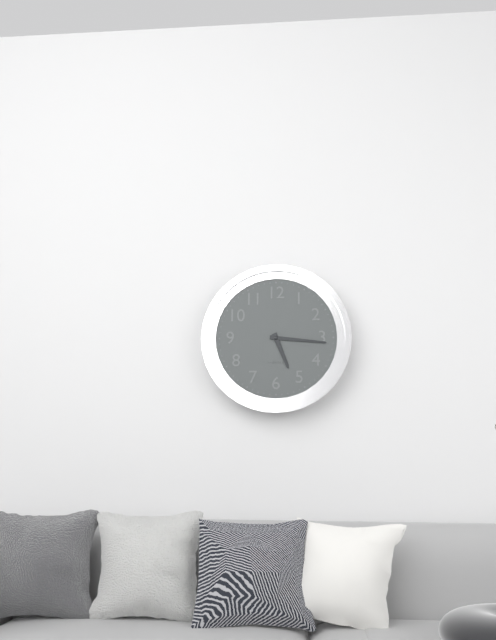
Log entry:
5h16
